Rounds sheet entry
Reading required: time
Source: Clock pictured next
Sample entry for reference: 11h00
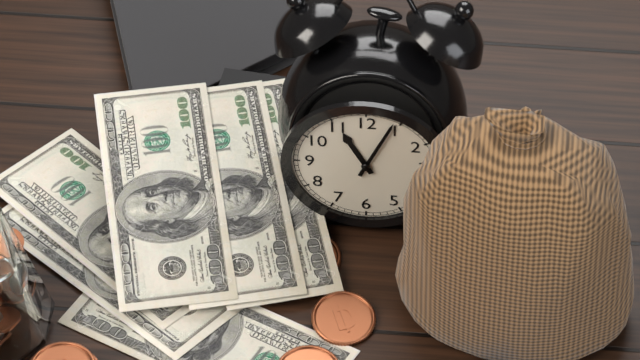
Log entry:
11h04
